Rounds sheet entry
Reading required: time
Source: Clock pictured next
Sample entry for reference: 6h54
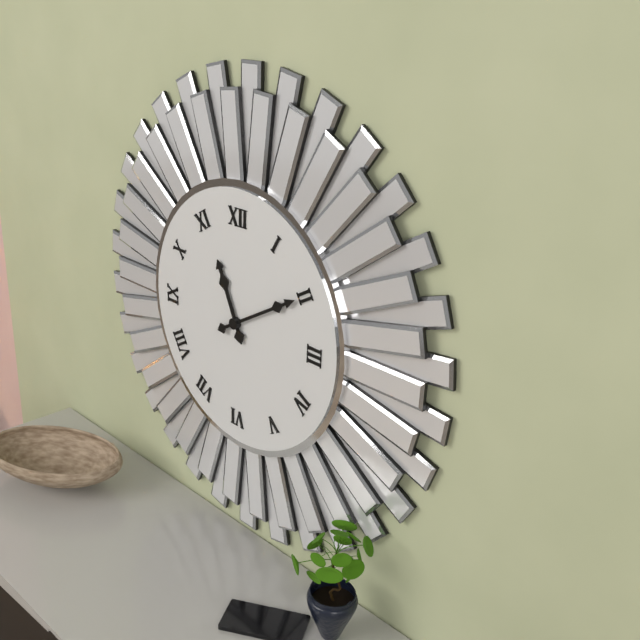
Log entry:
11h10
